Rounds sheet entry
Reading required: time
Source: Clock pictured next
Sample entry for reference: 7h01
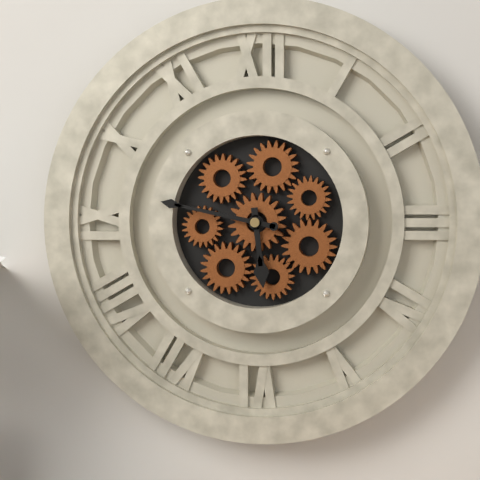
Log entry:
5h47
